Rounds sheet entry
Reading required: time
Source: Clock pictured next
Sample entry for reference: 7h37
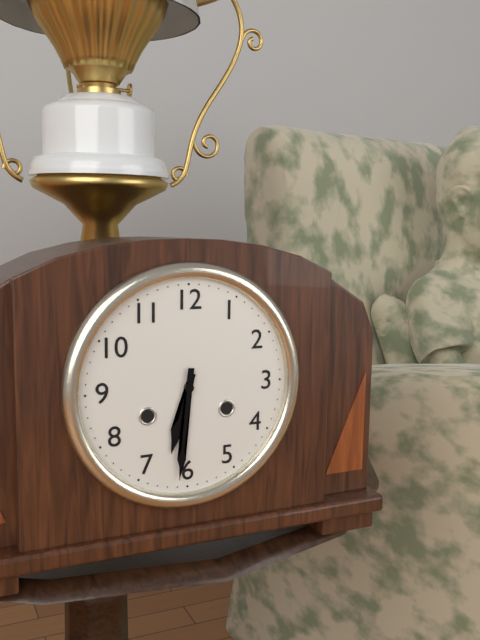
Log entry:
6h31
